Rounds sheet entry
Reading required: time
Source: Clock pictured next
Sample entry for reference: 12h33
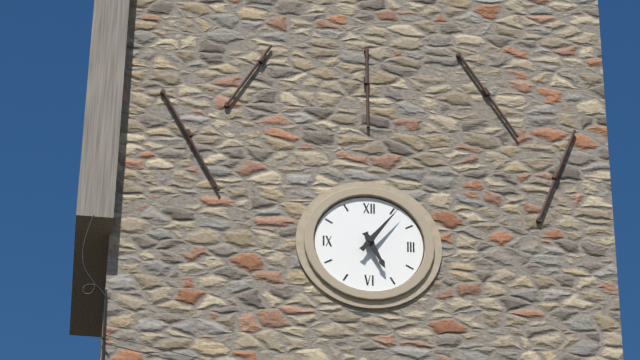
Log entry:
5h06
